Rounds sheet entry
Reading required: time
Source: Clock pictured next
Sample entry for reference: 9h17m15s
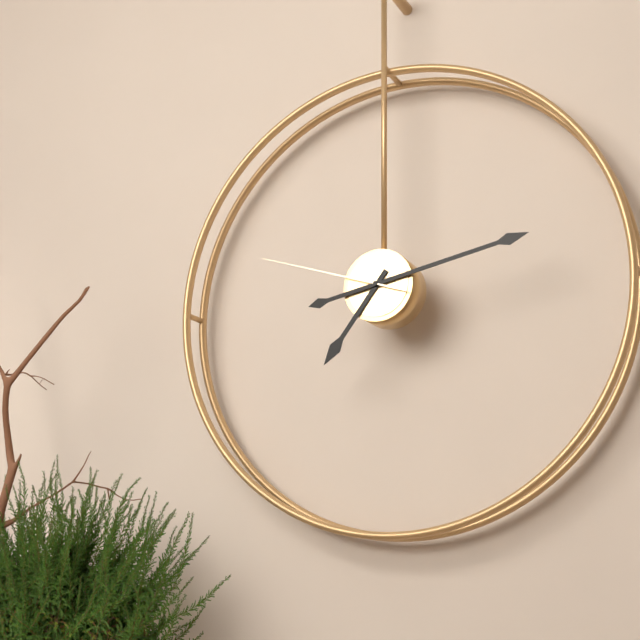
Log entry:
7h13m48s
